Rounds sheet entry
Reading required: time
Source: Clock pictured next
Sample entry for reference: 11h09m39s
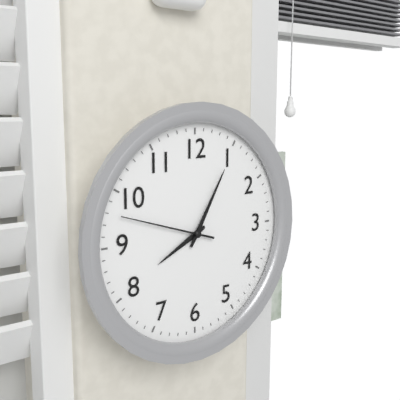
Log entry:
8h05m48s
